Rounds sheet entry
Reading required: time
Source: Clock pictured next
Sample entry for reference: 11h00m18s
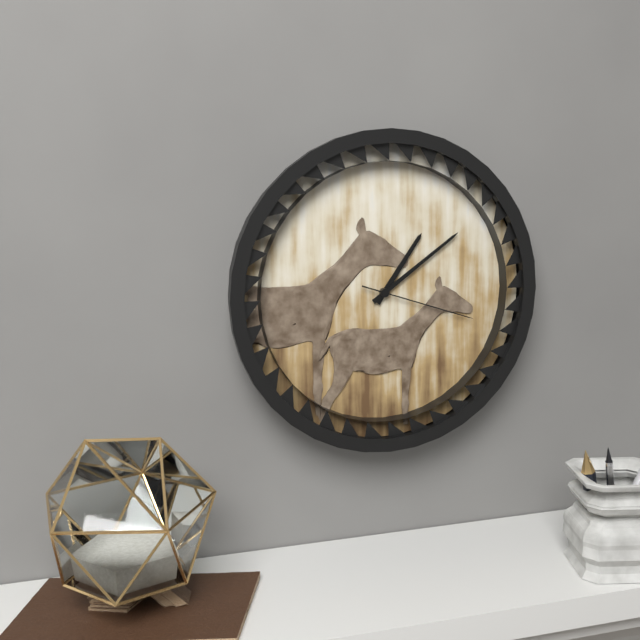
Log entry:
1h09m18s
